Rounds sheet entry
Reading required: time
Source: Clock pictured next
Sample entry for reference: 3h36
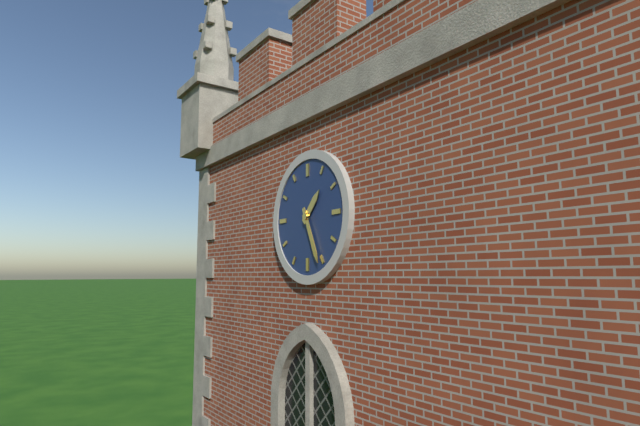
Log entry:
1h26
